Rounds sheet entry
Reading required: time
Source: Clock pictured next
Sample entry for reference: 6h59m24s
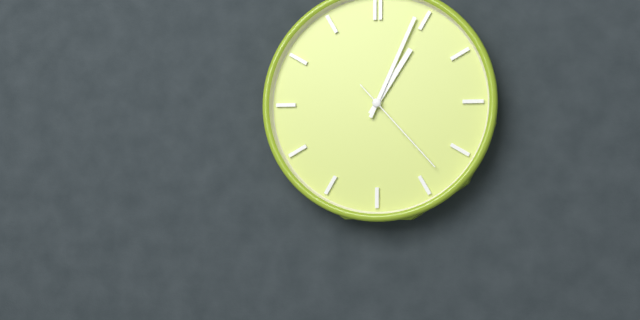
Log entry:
1h04m23s
